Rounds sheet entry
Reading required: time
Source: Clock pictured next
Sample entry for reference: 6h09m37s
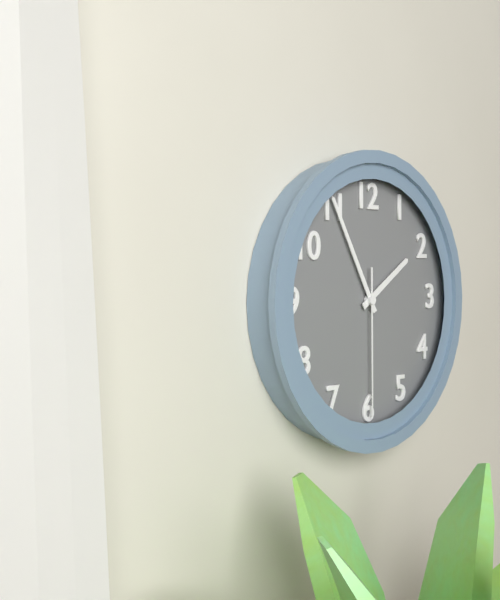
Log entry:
1h55m30s
